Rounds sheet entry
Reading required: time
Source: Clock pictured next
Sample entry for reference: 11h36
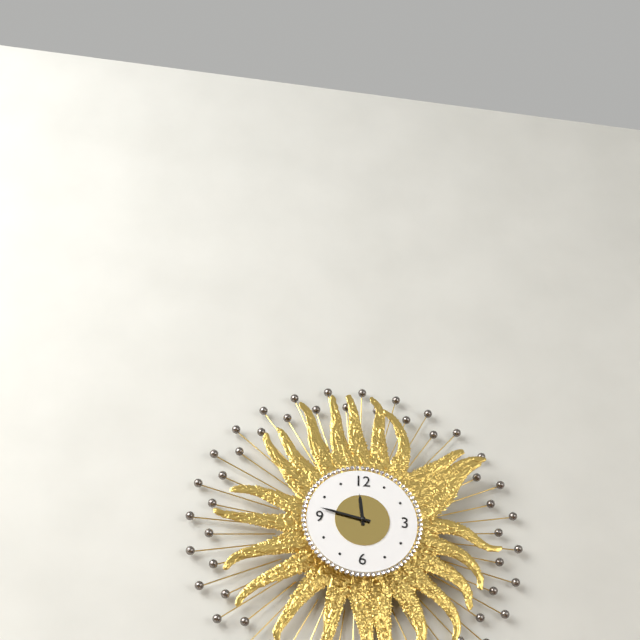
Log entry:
11h47
